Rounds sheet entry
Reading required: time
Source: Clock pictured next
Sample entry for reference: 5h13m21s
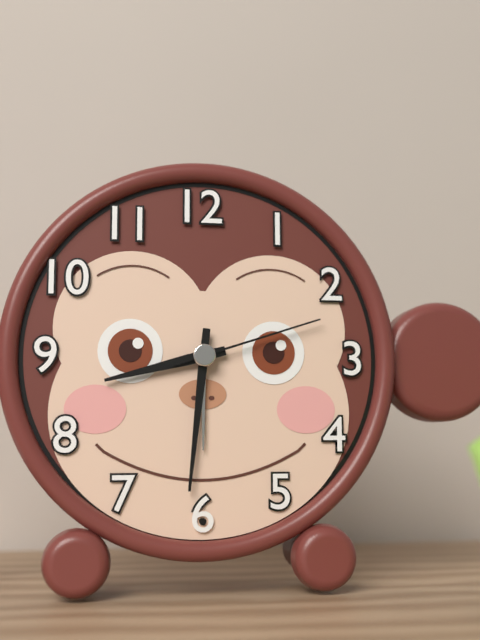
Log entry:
8h31m12s
